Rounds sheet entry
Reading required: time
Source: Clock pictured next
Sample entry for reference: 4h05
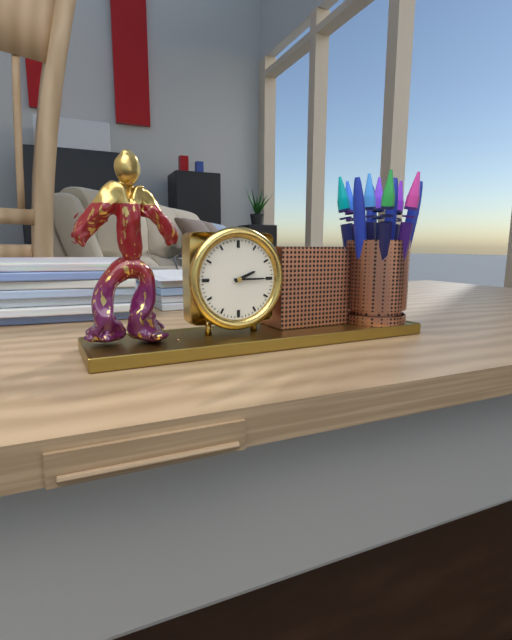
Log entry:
2h15
